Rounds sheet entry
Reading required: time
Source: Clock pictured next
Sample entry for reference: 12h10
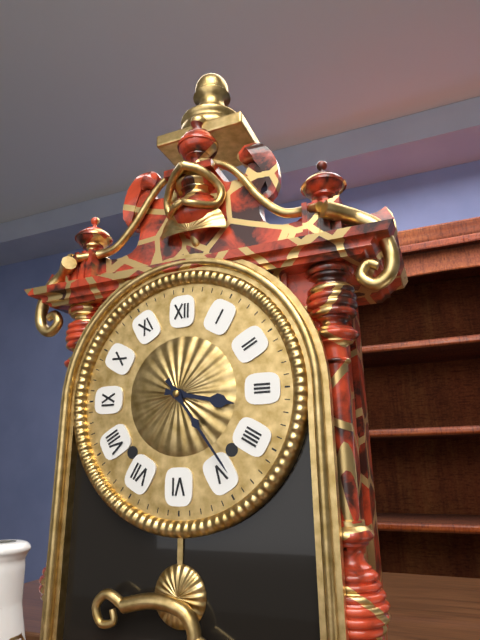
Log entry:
3h24
